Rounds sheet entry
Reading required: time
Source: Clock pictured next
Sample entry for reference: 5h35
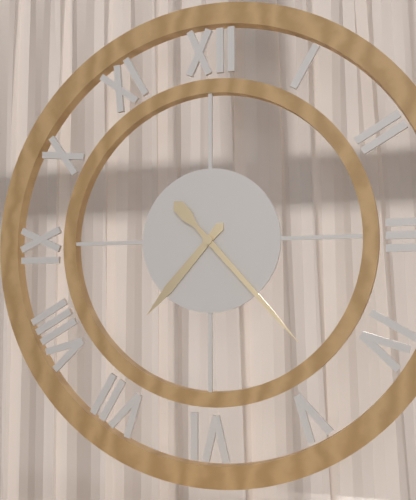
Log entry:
7h23
